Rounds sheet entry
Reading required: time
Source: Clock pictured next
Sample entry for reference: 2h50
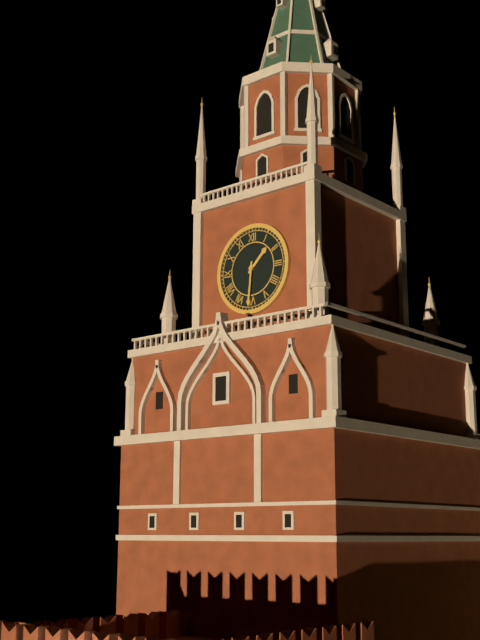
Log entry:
1h31
